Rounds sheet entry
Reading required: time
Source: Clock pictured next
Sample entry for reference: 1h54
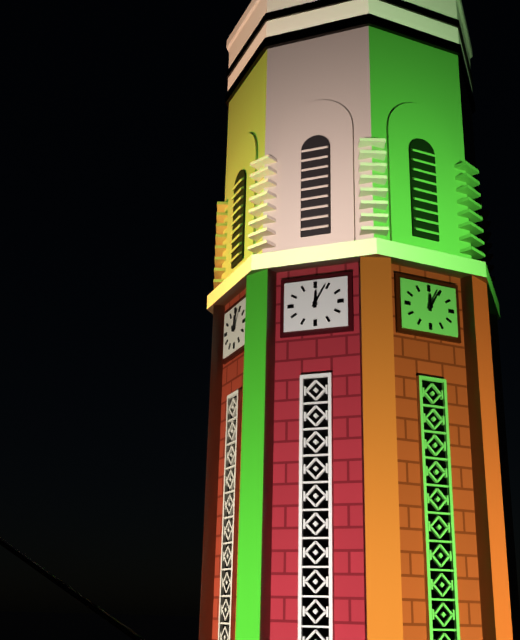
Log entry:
12h05
